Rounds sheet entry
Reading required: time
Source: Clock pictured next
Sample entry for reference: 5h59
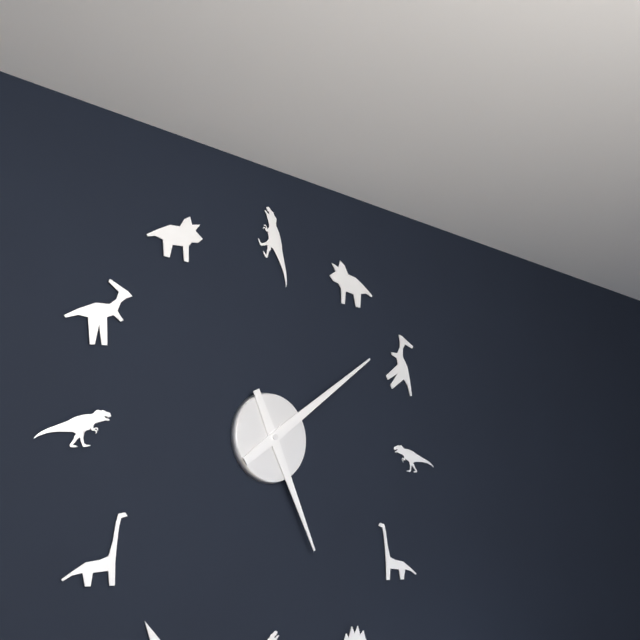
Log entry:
5h09
